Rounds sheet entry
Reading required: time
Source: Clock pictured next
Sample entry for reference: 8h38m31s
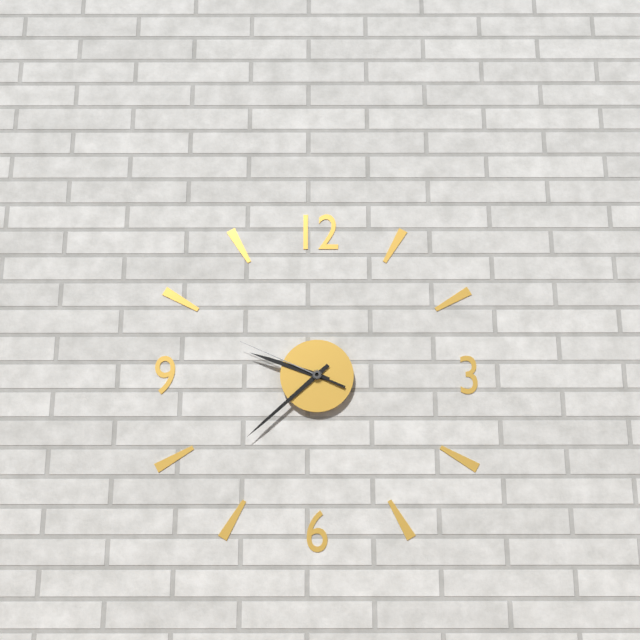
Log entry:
9h38m49s
